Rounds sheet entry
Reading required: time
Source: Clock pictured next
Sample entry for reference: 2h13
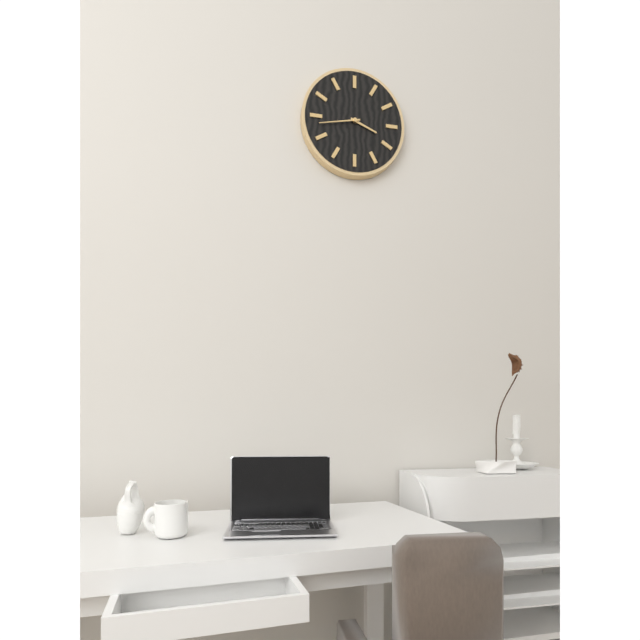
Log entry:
3h43
